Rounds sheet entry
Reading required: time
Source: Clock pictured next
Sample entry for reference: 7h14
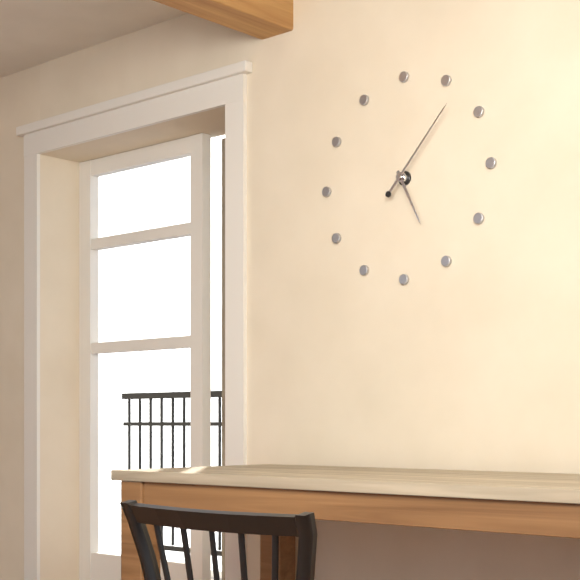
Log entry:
5h07
